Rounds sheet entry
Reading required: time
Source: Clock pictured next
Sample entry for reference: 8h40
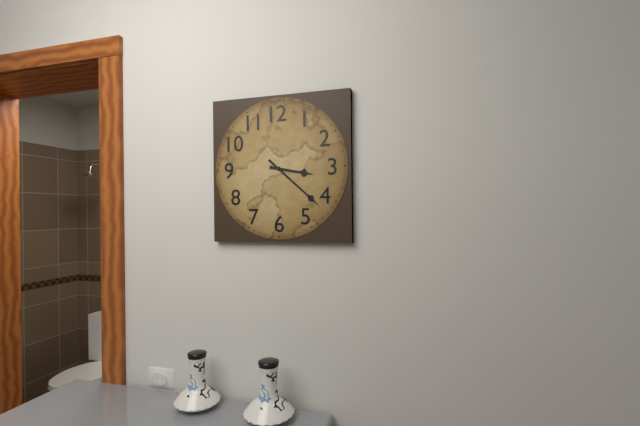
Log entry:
3h22
